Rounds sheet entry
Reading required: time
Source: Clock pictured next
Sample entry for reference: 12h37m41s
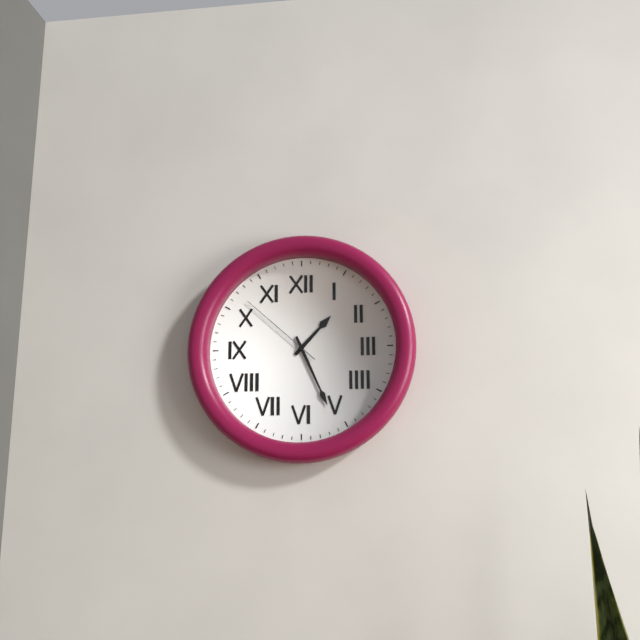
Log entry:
1h26m52s
